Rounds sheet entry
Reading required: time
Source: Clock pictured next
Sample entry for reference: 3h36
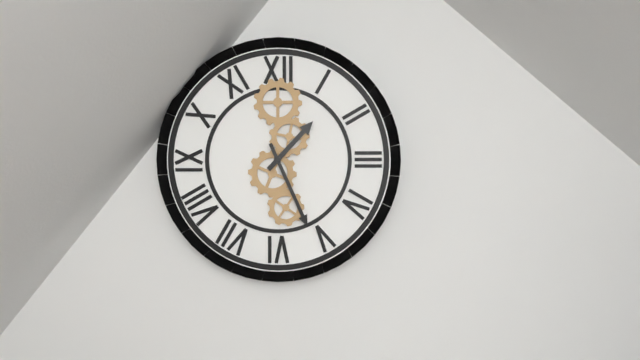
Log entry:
1h26
